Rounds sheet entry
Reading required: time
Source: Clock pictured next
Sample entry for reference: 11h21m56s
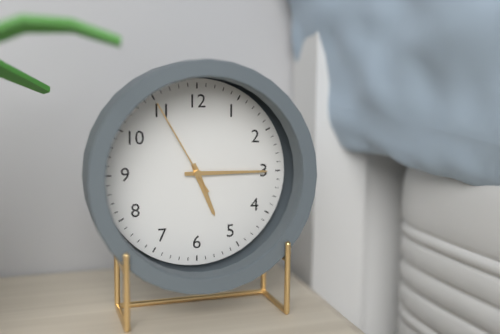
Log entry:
5h15m55s
